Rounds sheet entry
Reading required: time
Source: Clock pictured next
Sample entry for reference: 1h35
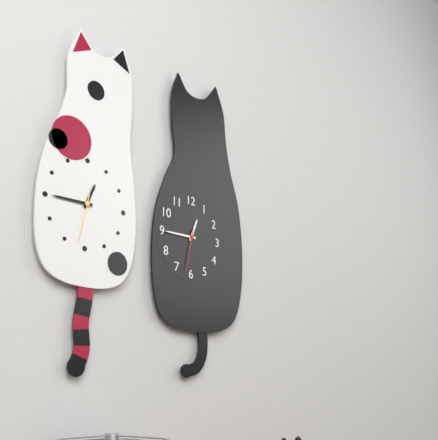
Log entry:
12h45
